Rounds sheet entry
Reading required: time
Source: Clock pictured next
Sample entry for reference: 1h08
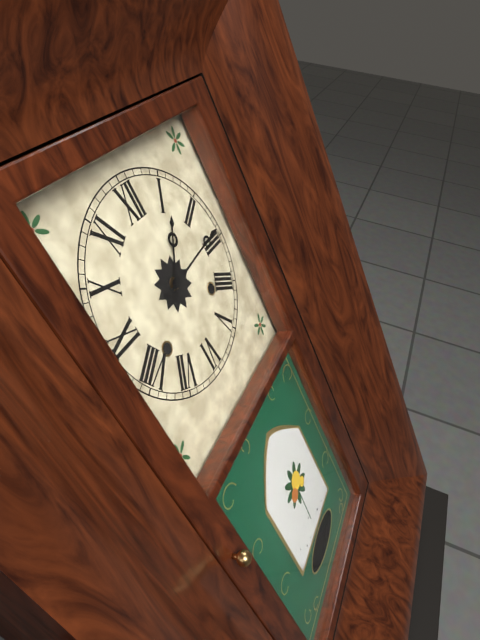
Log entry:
1h14
